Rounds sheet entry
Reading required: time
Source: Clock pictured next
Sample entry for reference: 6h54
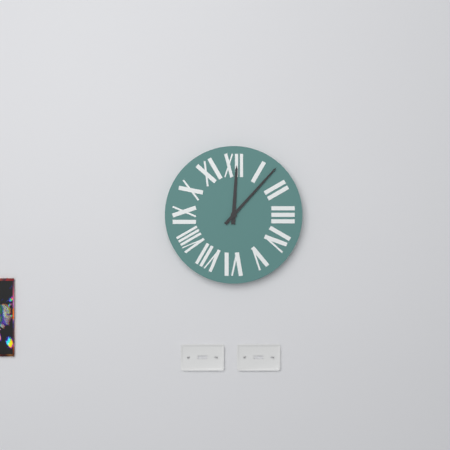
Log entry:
12h07
